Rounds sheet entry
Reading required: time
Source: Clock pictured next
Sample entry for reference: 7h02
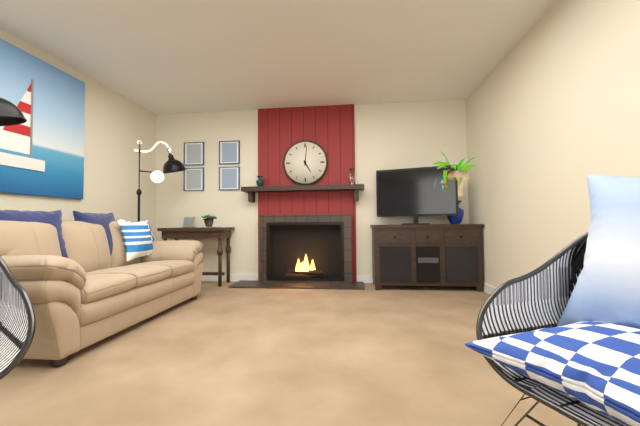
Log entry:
5h01
